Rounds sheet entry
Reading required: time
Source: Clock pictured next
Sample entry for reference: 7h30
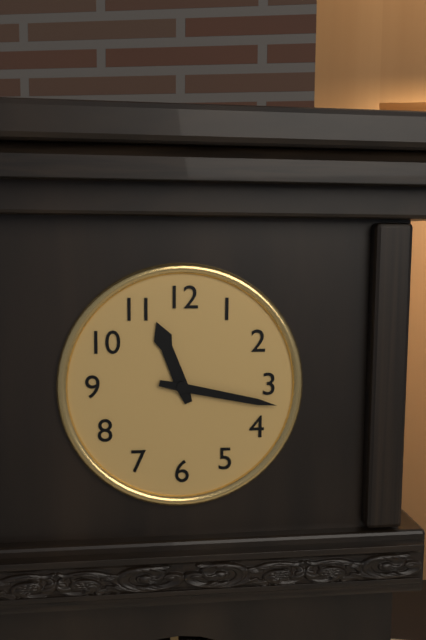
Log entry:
11h17
